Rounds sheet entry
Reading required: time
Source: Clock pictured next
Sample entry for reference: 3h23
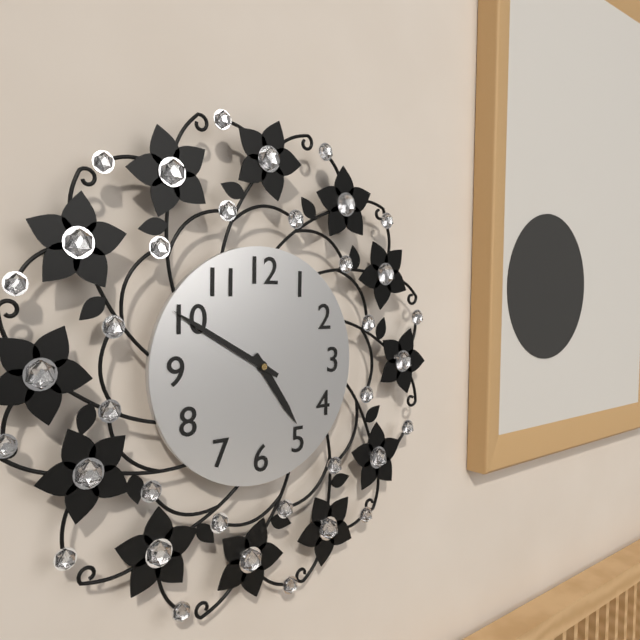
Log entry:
4h50
